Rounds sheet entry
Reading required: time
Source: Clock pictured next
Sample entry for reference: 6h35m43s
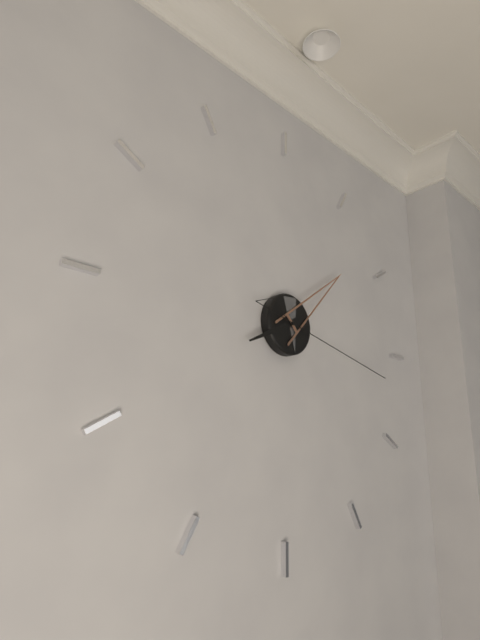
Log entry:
8h08m17s
